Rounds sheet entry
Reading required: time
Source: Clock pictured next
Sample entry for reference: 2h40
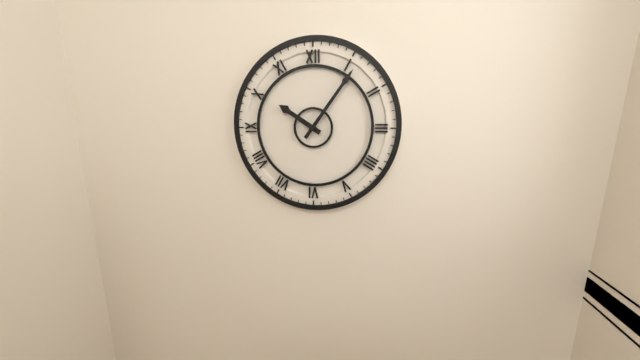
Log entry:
10h06
